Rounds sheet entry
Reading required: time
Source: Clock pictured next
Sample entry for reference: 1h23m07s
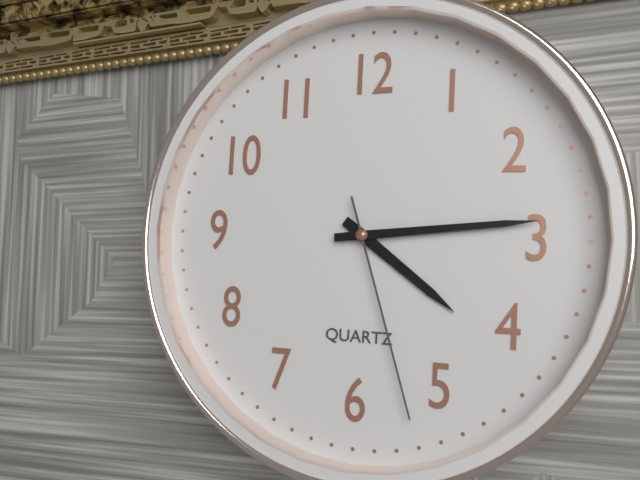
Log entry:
4h14m27s
